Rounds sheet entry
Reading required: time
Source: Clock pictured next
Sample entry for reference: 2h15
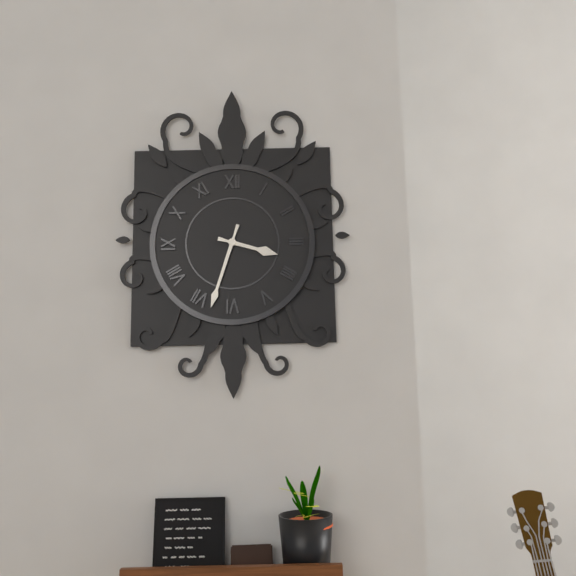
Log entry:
3h33
